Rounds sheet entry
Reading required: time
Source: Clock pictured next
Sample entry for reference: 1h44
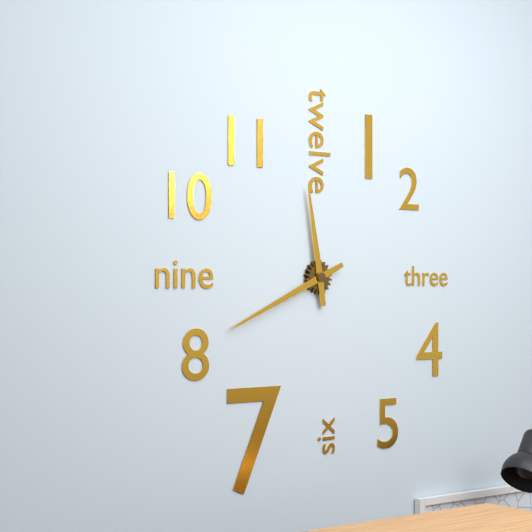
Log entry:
11h41
